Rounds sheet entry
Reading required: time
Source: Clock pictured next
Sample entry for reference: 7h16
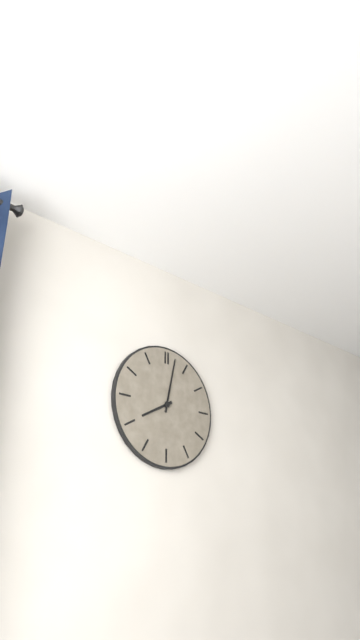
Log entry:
8h02
